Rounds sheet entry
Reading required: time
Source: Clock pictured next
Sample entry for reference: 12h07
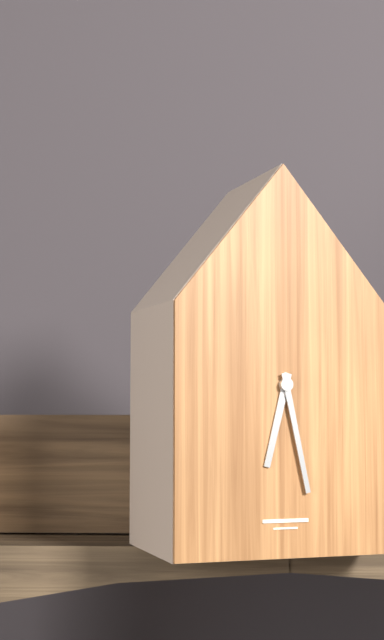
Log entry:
6h28
